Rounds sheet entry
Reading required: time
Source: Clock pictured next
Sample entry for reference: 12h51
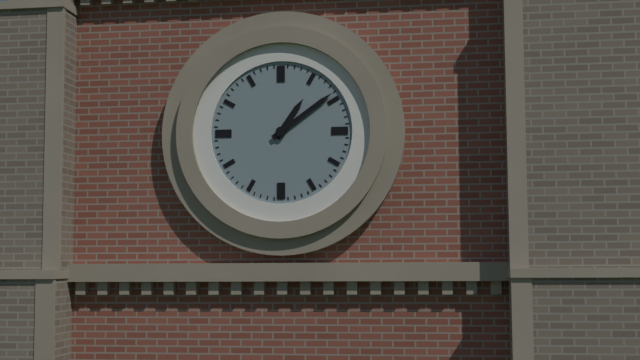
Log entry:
1h09
